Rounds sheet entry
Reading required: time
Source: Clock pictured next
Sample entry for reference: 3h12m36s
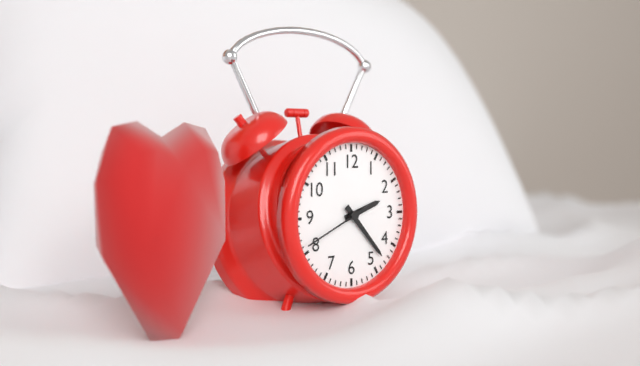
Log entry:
2h23m41s
